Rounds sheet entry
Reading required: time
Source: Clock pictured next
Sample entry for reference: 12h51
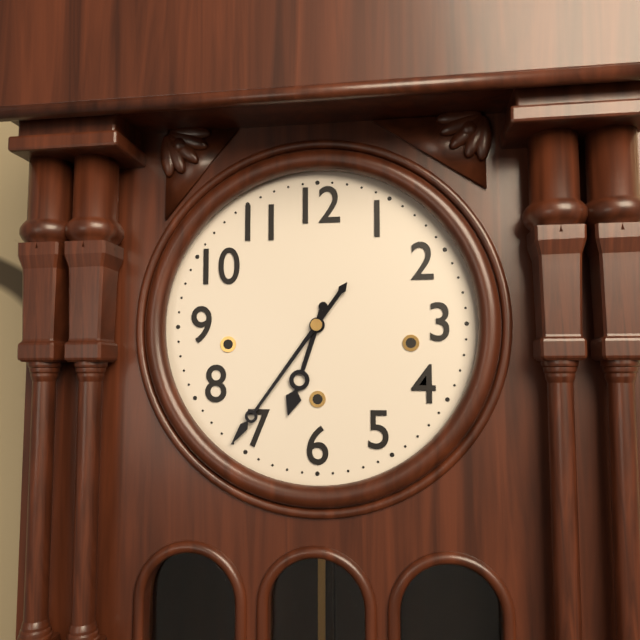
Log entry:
6h36
